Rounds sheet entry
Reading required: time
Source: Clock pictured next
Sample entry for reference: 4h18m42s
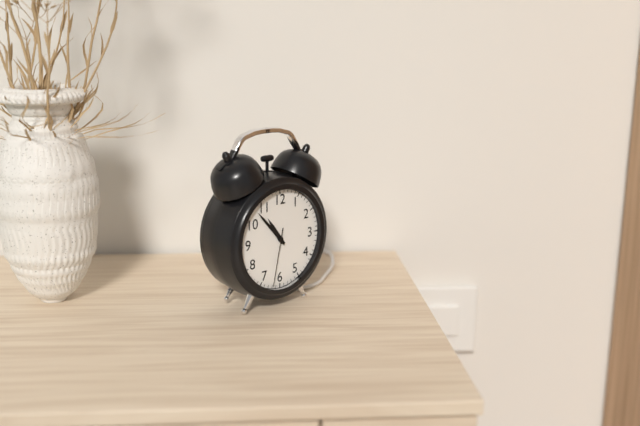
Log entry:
10h53m32s
